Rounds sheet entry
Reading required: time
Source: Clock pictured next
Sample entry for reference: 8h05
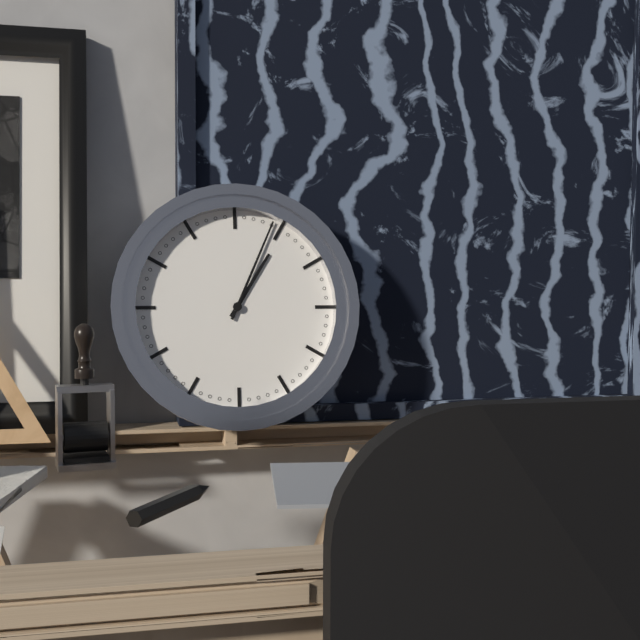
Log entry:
1h04
